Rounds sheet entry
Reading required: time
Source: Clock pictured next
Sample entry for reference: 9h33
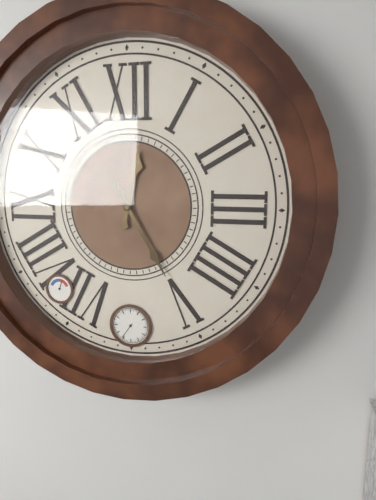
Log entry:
12h25
